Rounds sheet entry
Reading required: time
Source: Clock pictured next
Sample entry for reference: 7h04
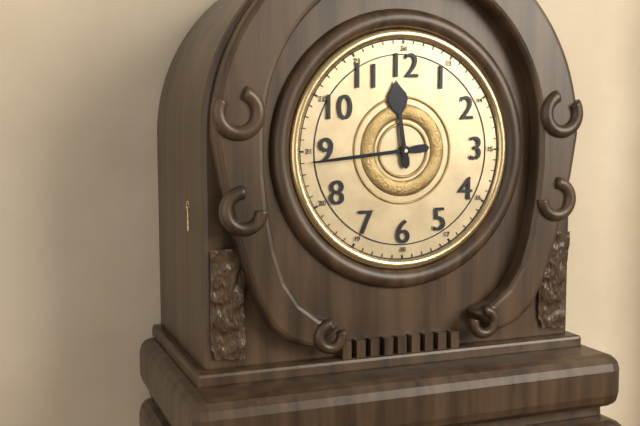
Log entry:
11h44
